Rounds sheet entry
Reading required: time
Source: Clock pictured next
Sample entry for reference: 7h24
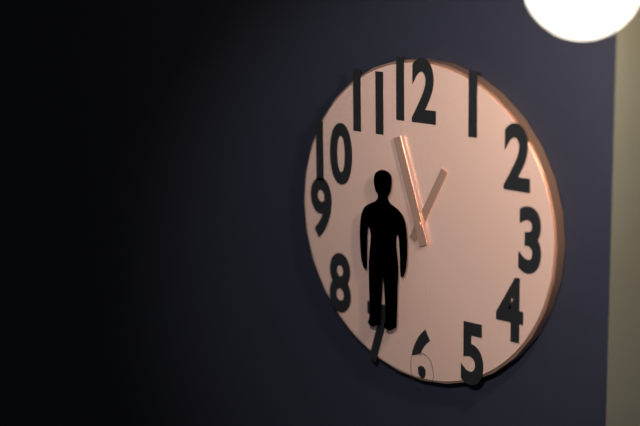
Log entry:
12h57
